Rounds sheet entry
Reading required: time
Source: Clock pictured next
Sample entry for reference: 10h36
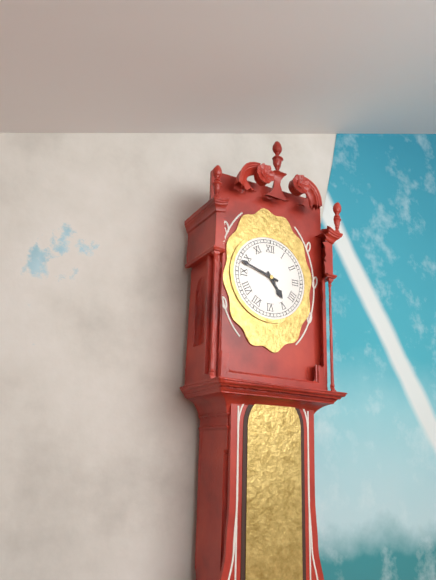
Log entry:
4h48
